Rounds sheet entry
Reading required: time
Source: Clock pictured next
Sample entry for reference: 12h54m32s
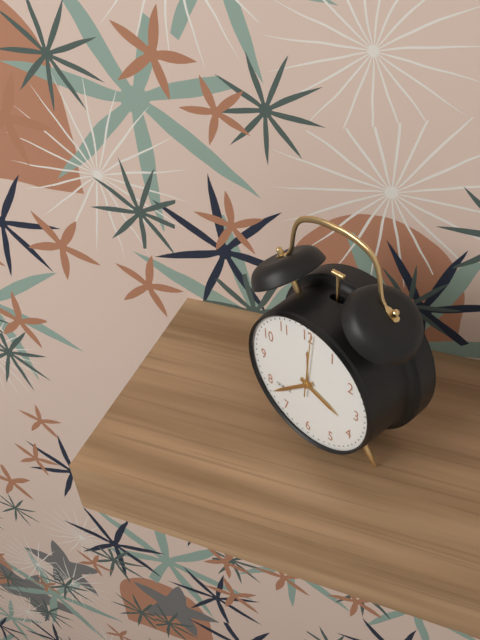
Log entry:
3h38m01s
